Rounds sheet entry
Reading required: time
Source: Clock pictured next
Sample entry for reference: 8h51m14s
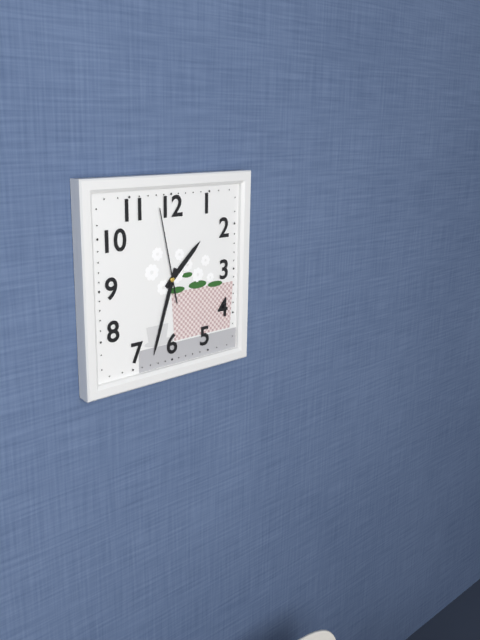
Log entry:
1h33m58s
